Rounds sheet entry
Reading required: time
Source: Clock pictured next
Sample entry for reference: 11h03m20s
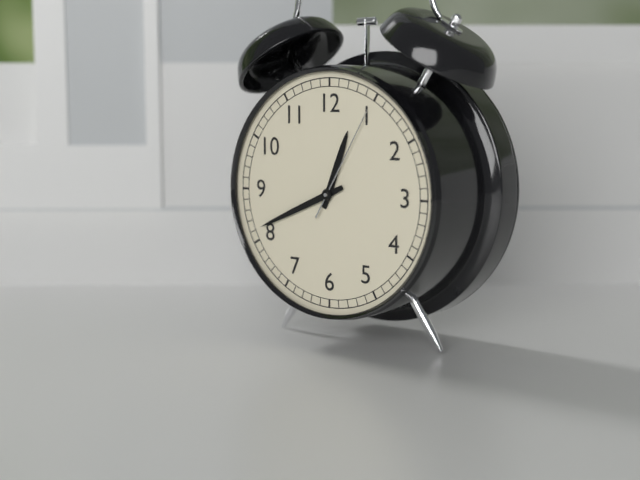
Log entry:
12h41m05s
